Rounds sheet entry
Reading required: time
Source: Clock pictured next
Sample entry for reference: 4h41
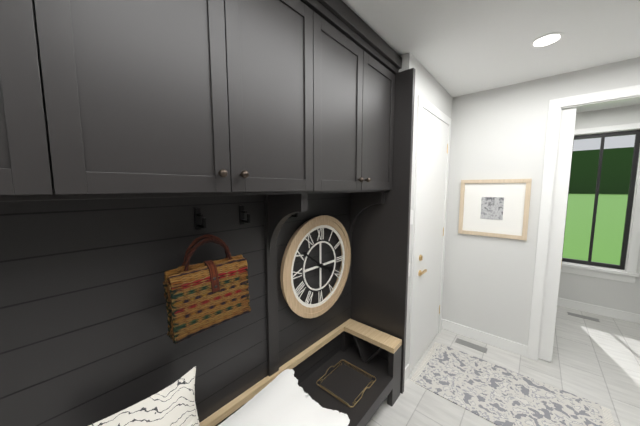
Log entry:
3h51
